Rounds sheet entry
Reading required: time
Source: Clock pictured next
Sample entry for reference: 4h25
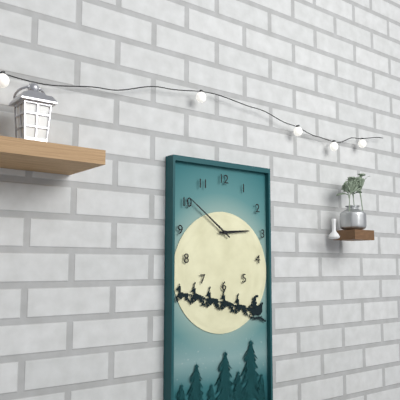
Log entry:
2h51
